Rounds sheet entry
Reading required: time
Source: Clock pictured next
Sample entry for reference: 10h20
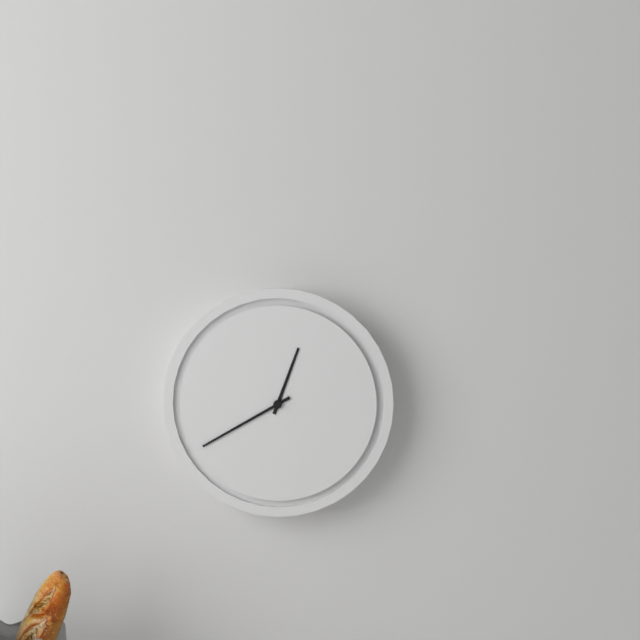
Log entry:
12h40
